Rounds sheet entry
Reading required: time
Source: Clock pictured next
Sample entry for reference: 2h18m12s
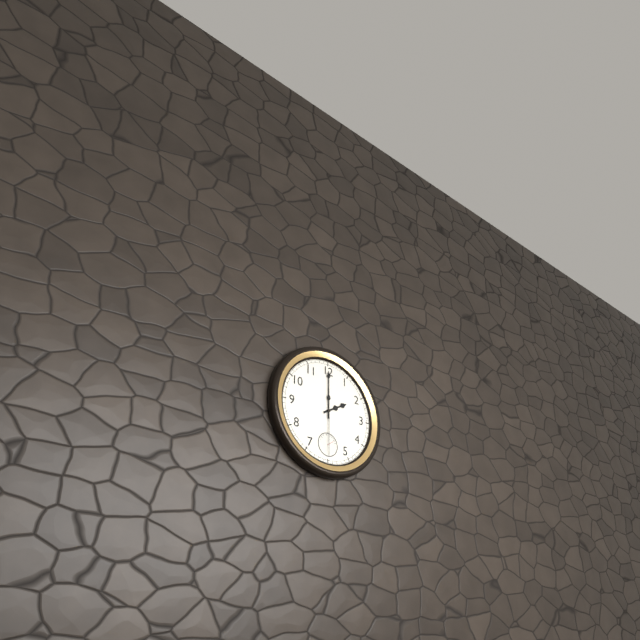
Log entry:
2h00m30s
